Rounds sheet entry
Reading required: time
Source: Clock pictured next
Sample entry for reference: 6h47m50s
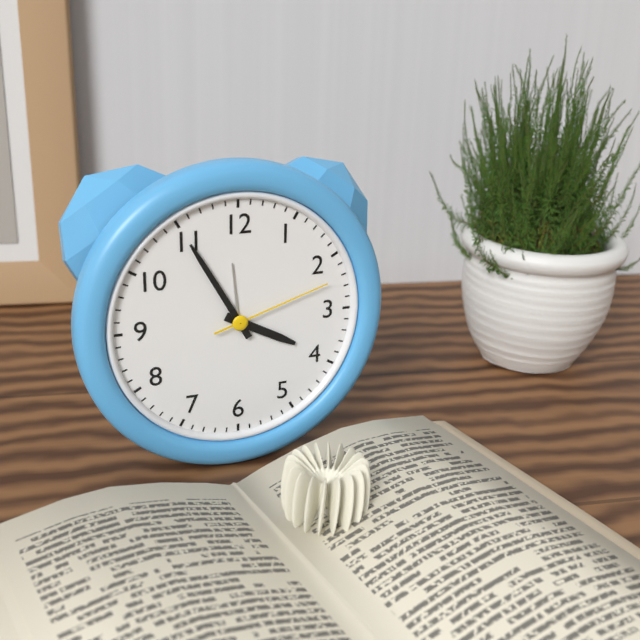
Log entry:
3h55m12s
